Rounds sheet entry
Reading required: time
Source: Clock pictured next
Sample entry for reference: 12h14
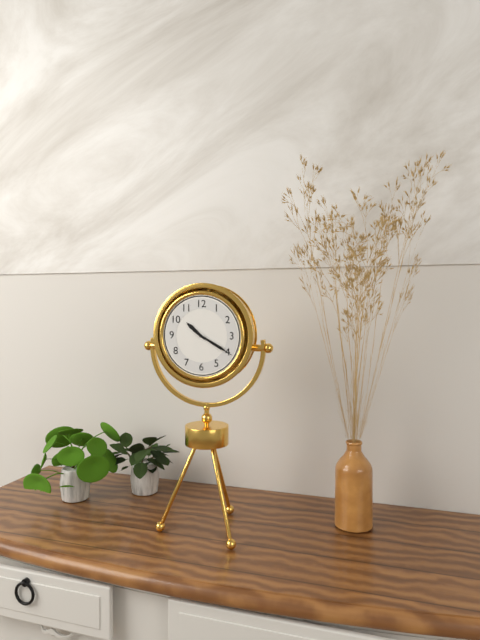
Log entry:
10h20
